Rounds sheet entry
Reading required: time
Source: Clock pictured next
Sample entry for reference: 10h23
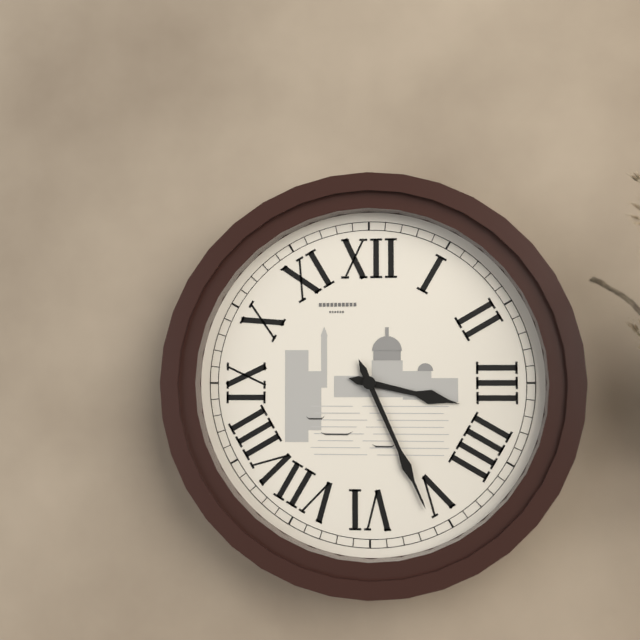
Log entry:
3h26
